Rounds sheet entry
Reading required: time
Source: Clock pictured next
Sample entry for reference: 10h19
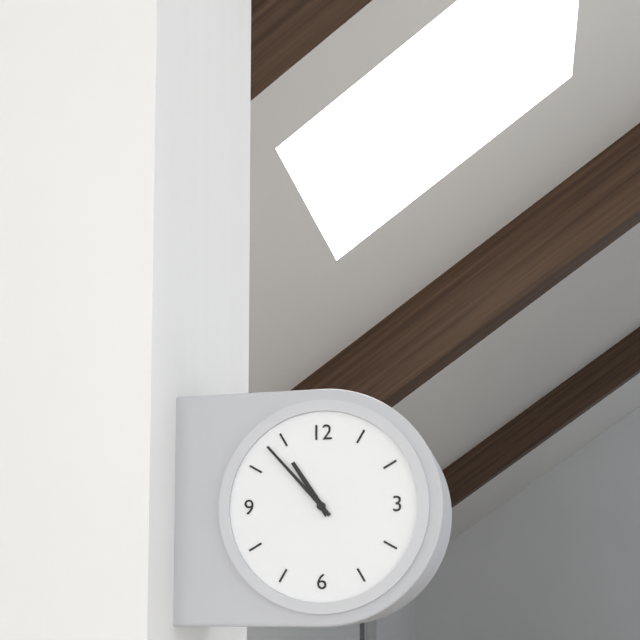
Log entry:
10h53
